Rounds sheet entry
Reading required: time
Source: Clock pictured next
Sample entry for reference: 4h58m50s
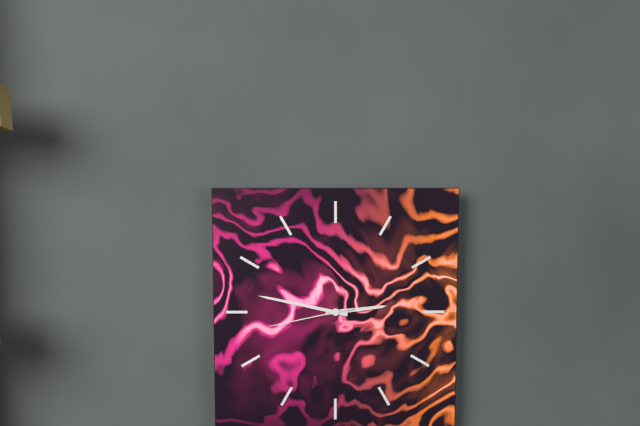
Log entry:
2h47m43s
